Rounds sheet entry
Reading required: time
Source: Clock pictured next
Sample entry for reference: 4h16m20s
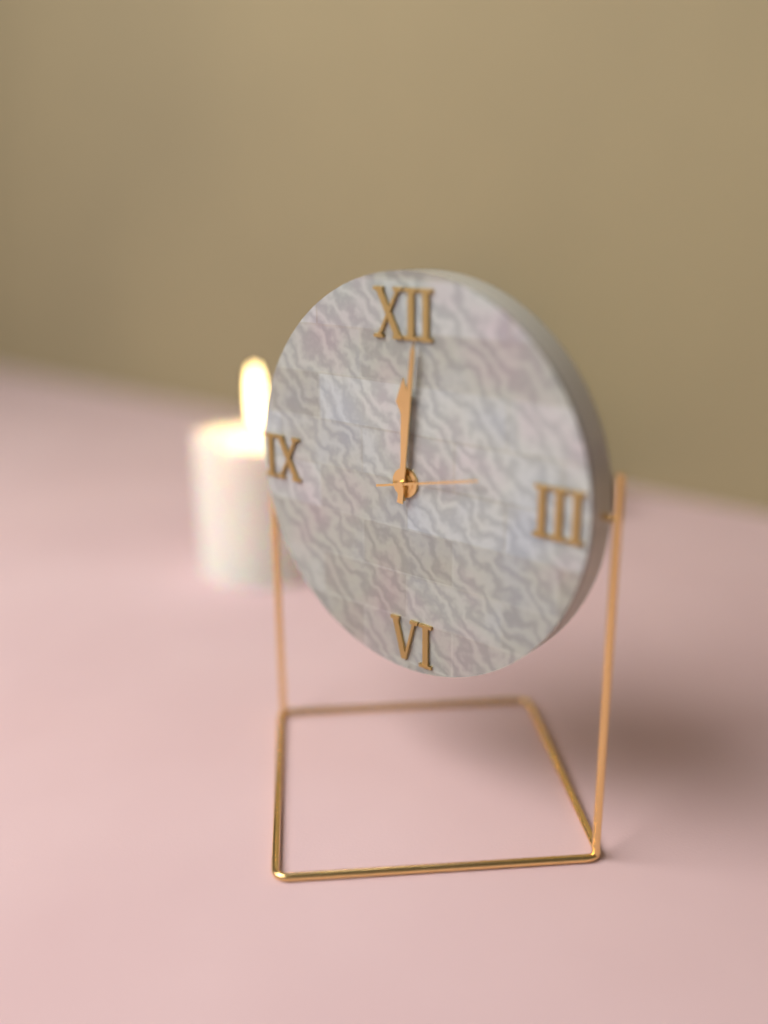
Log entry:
12h01m13s
